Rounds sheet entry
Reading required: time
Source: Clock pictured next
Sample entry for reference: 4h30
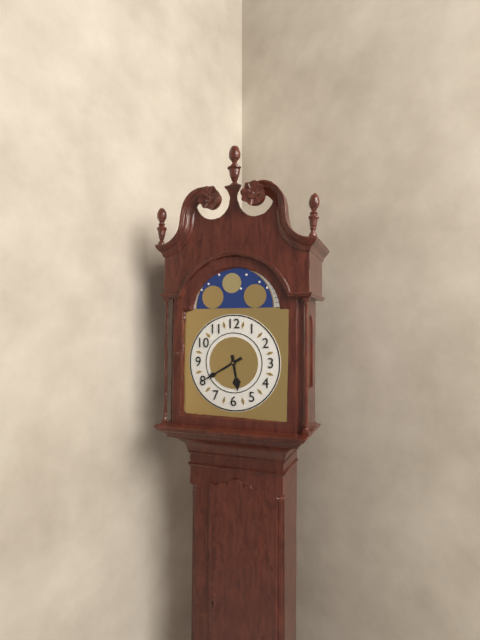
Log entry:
5h40
